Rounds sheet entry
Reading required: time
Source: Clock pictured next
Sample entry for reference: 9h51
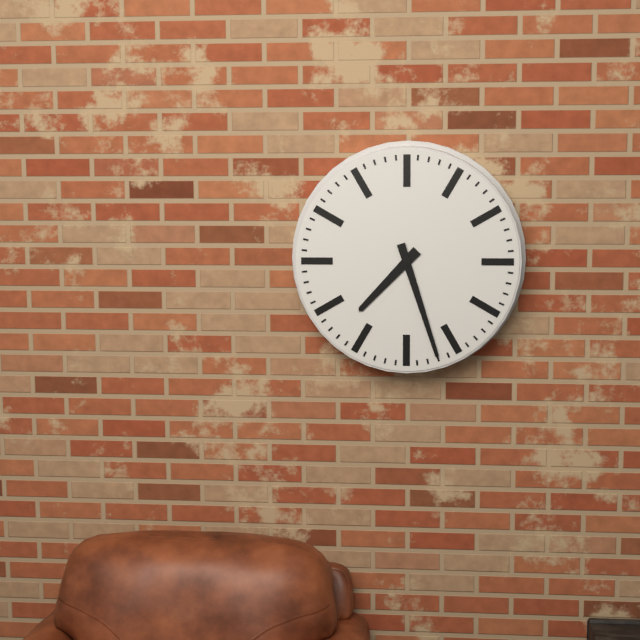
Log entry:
7h27
